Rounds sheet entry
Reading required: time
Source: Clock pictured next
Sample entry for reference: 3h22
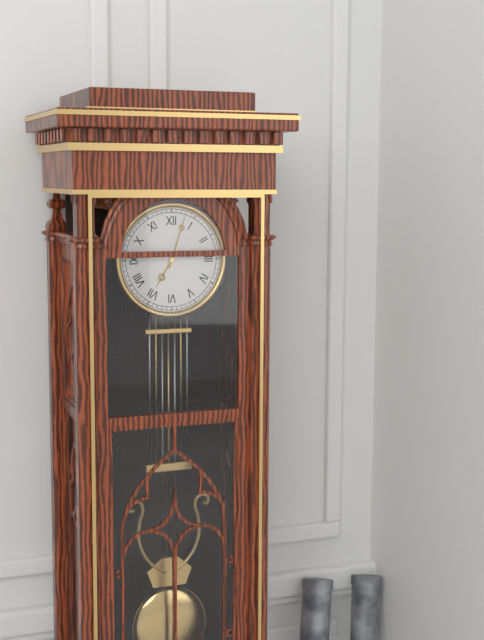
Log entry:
7h03
